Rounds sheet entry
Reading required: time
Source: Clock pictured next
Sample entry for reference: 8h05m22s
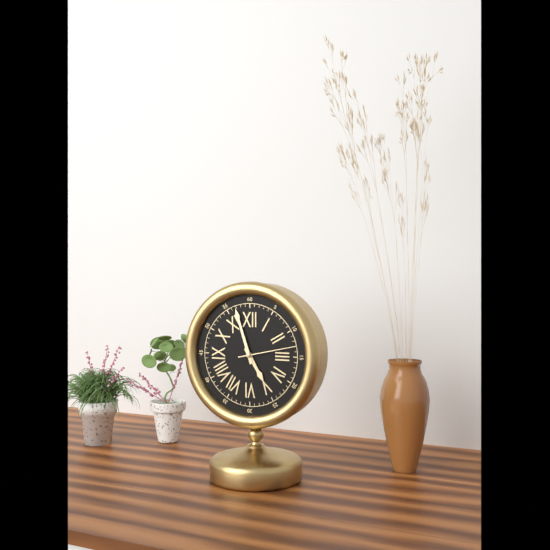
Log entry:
4h57m13s
